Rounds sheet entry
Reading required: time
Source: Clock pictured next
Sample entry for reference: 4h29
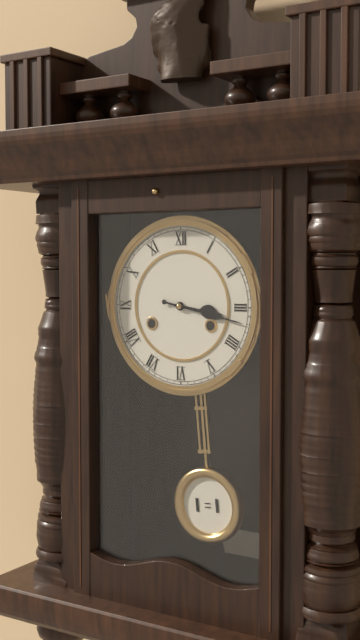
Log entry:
3h17
